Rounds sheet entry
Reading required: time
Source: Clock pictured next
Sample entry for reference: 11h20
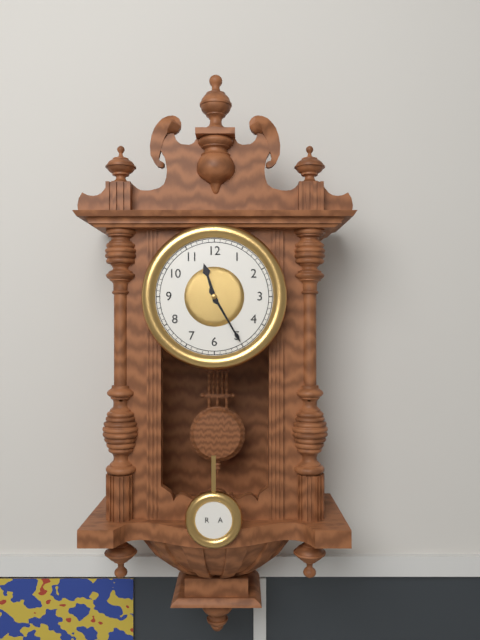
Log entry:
11h25
